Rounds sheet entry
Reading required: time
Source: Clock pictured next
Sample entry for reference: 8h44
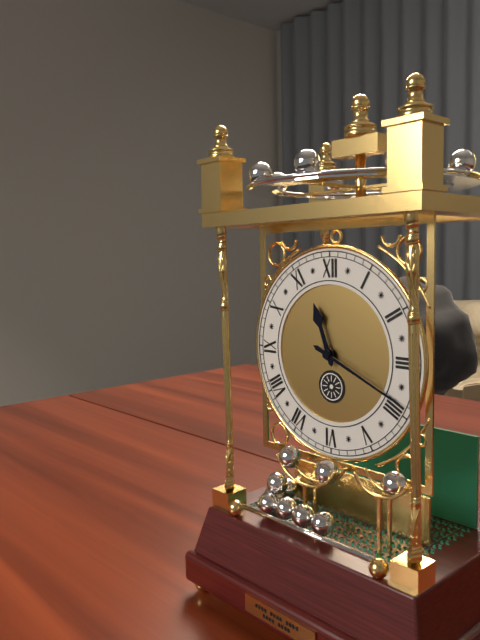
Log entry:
11h19
